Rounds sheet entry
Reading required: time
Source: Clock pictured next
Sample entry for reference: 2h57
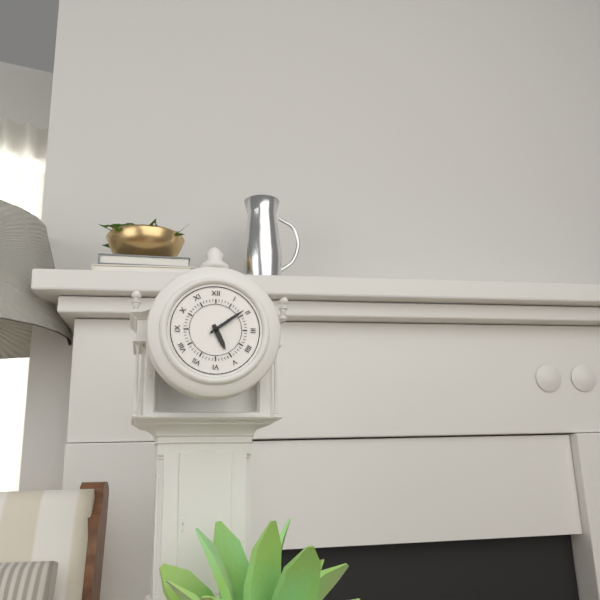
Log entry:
5h09
